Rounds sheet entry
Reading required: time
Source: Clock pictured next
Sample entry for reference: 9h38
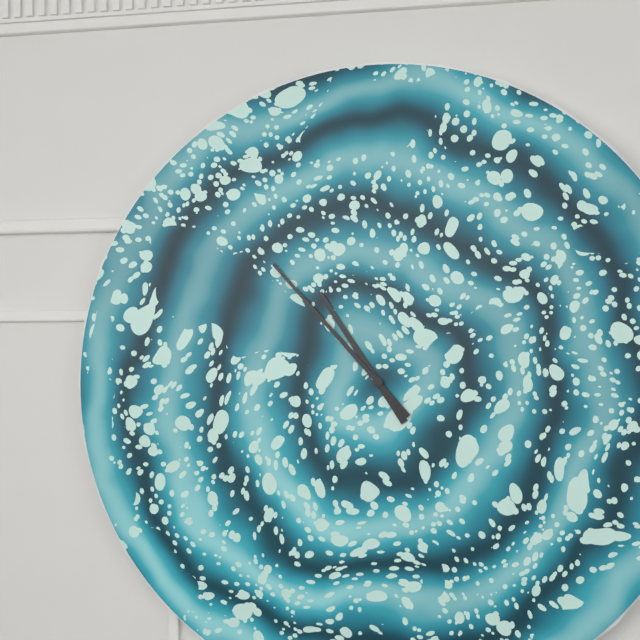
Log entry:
10h53
